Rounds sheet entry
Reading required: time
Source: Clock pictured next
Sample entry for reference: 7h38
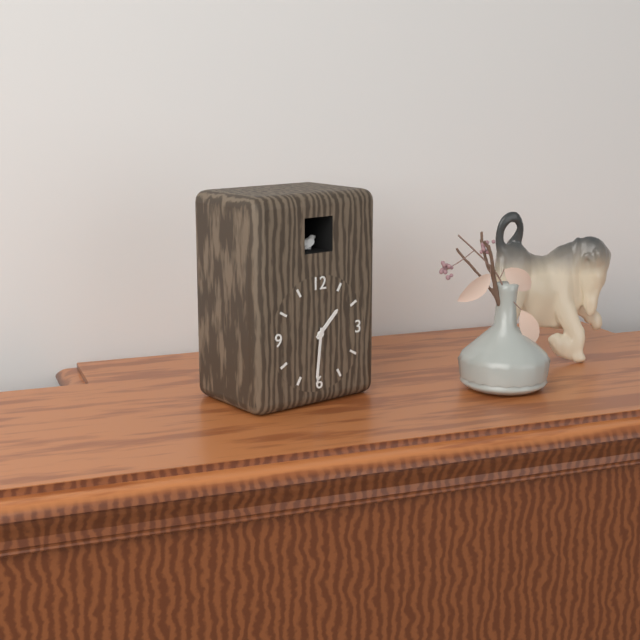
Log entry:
1h31
